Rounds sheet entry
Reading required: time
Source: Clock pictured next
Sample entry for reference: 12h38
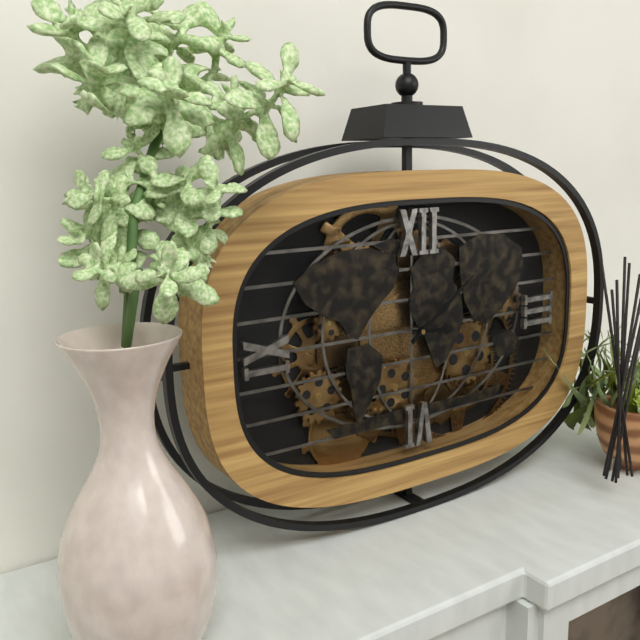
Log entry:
3h09
